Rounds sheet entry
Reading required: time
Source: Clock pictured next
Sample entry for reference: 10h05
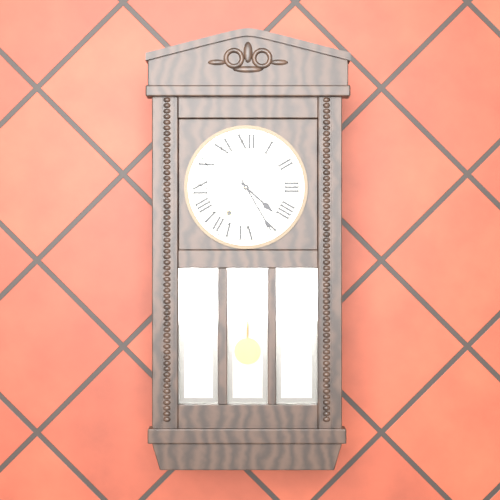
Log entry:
4h25
